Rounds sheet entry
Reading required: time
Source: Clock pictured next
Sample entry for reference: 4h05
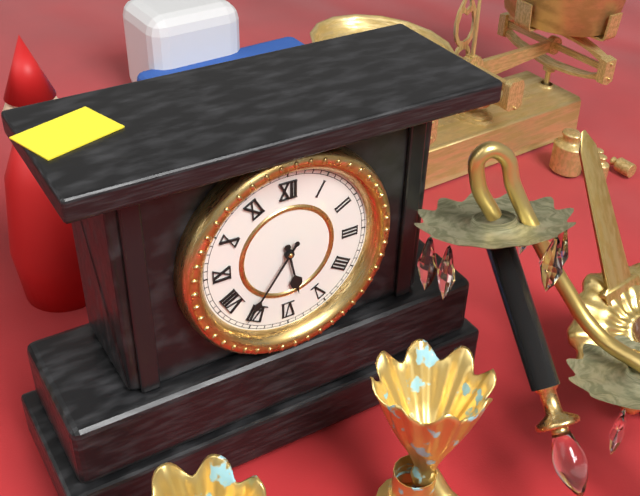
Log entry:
5h36
